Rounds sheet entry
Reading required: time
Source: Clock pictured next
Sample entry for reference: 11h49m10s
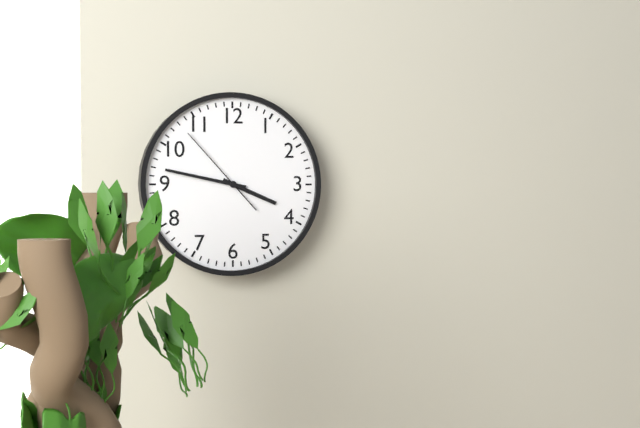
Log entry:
3h47m53s
